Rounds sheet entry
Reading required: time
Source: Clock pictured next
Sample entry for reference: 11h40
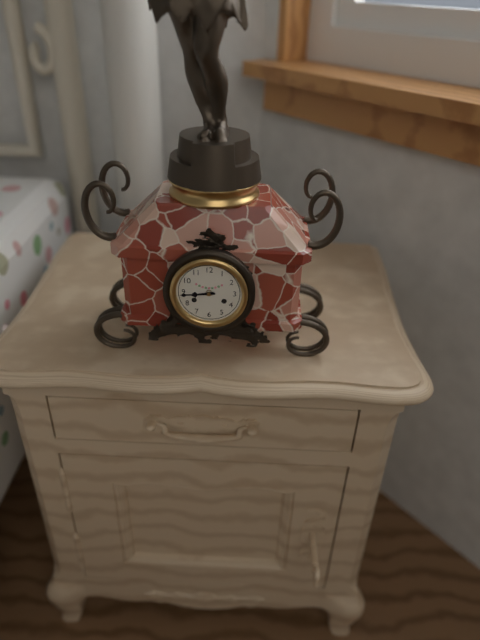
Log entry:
8h44
